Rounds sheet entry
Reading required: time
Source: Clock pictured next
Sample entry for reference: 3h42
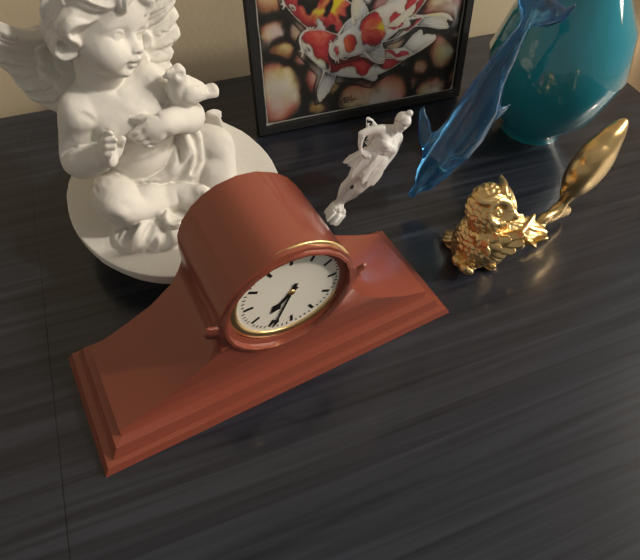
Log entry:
7h34
